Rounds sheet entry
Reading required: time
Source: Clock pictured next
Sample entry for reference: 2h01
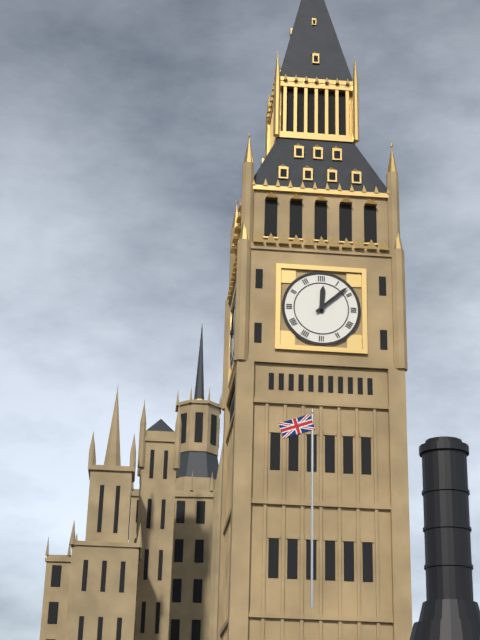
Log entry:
12h08
